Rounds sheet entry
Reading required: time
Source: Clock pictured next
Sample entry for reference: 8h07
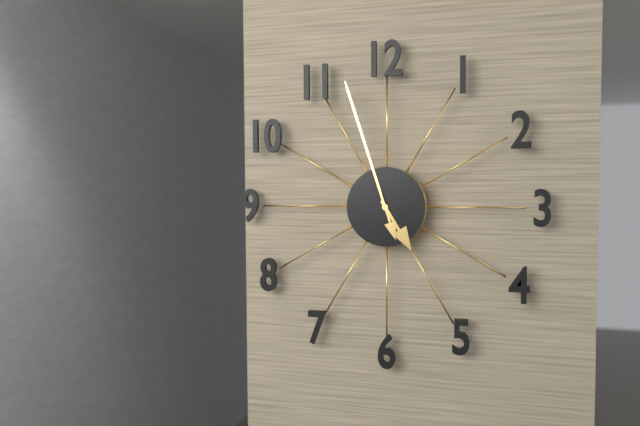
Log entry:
4h57
